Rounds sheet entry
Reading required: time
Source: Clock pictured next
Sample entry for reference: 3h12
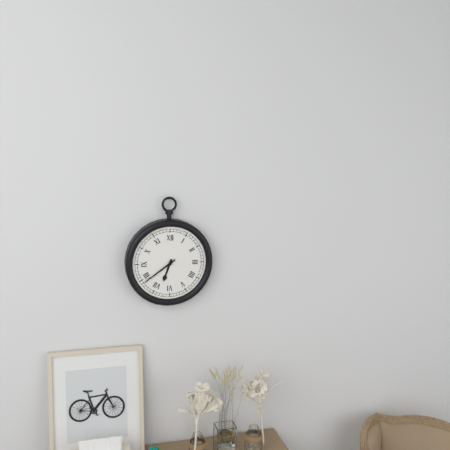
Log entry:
6h39
